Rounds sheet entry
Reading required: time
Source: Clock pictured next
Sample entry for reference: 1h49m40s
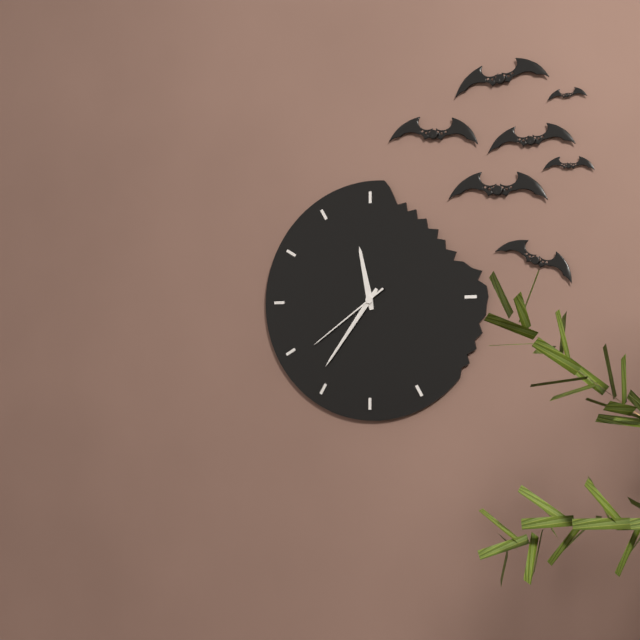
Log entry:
11h36m39s
